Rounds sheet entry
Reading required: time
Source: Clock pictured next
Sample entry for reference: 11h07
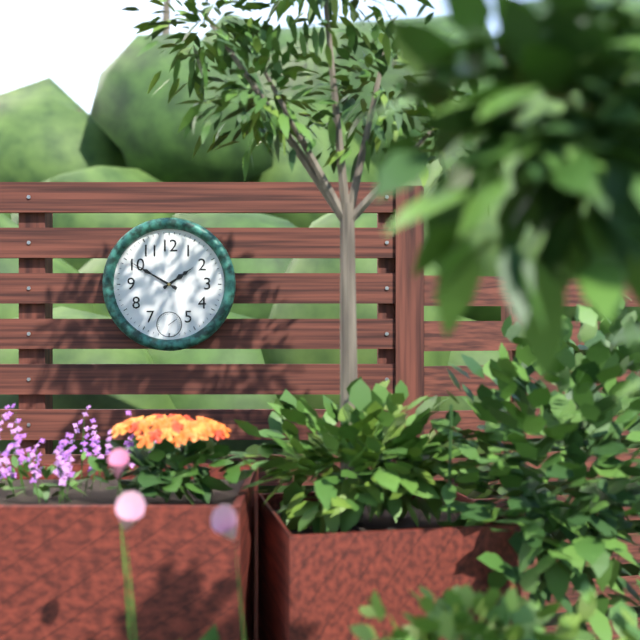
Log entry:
1h50
